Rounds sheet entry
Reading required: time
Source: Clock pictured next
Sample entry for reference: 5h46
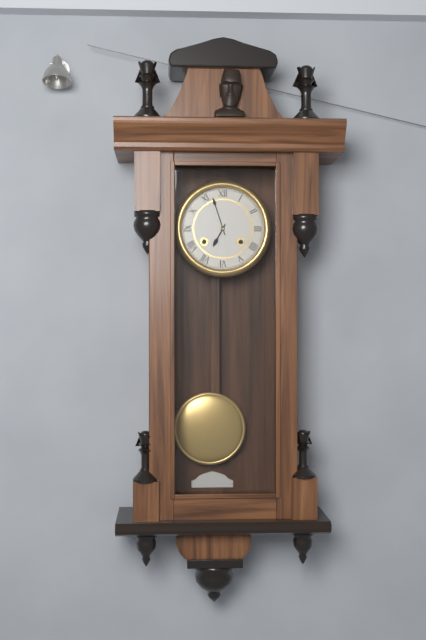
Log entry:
6h57
